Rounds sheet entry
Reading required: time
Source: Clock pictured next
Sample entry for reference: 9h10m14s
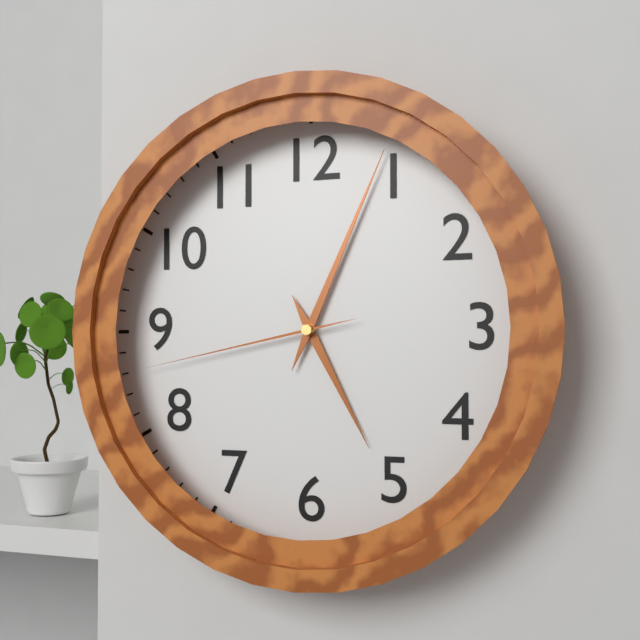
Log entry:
5h04m43s
